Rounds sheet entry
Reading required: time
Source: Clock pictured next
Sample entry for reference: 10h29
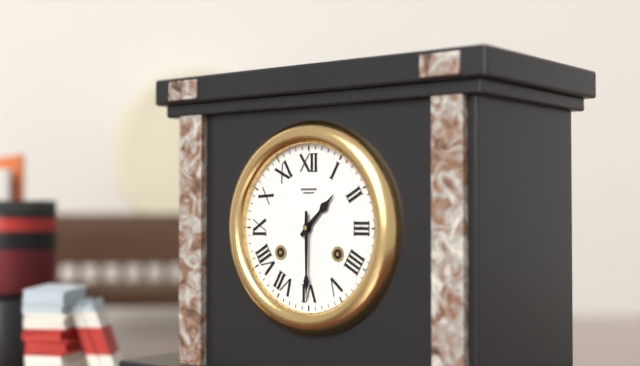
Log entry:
1h30
